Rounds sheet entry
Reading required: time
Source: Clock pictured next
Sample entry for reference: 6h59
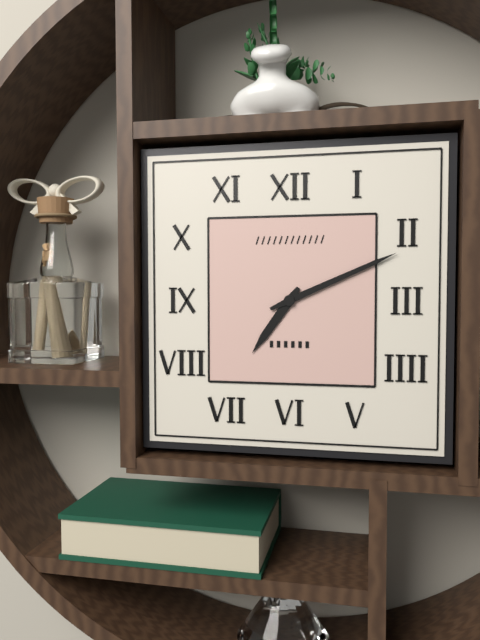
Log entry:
7h11
